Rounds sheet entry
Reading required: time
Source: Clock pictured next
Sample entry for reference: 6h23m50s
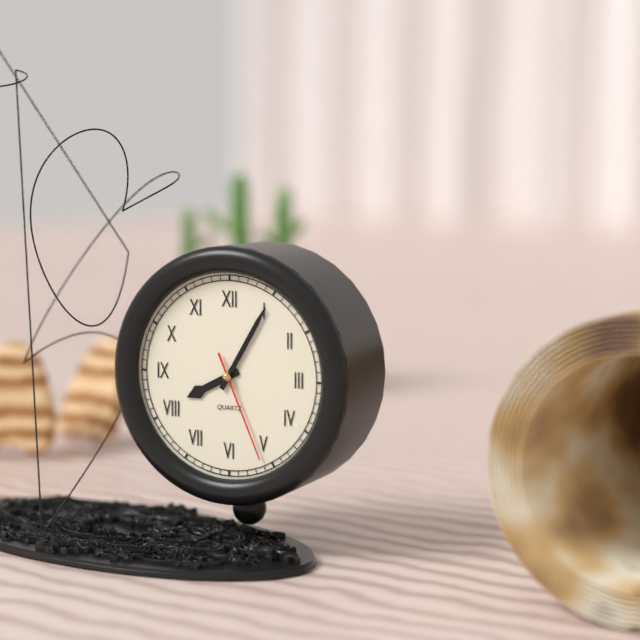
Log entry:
8h05m26s
